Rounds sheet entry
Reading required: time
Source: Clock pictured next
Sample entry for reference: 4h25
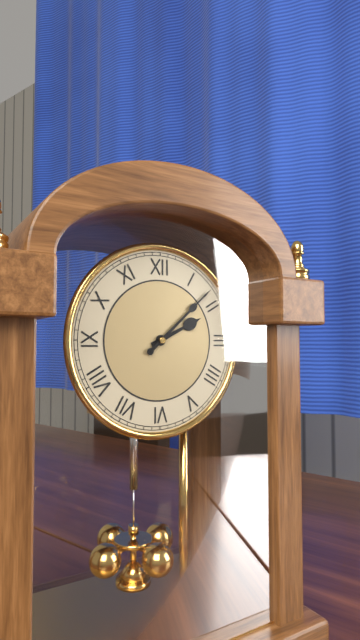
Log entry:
2h08
